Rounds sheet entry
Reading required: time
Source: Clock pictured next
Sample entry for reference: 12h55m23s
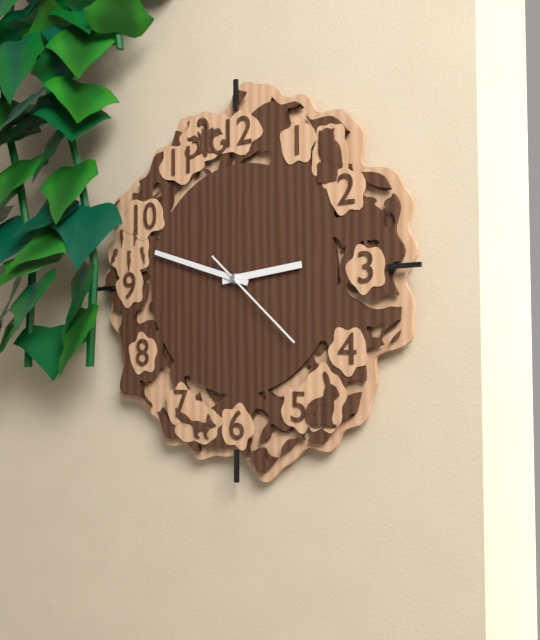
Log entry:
2h48m22s
